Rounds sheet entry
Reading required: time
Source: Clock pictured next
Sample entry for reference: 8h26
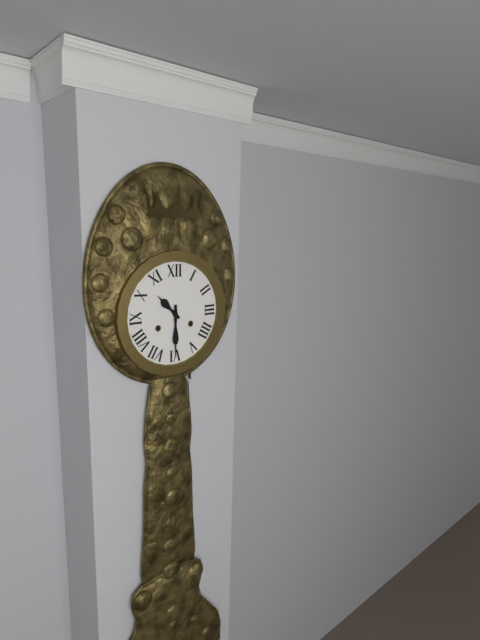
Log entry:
10h30
